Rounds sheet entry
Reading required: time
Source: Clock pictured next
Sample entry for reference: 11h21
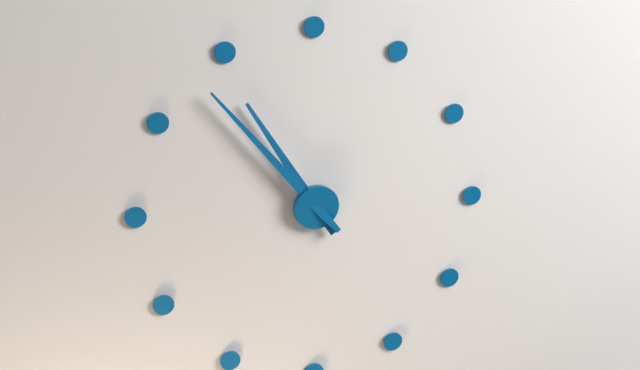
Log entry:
10h53
